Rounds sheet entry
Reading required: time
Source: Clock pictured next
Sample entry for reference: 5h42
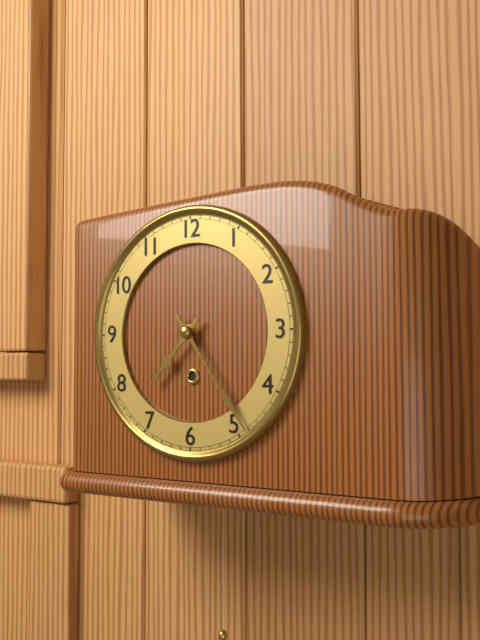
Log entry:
7h24
